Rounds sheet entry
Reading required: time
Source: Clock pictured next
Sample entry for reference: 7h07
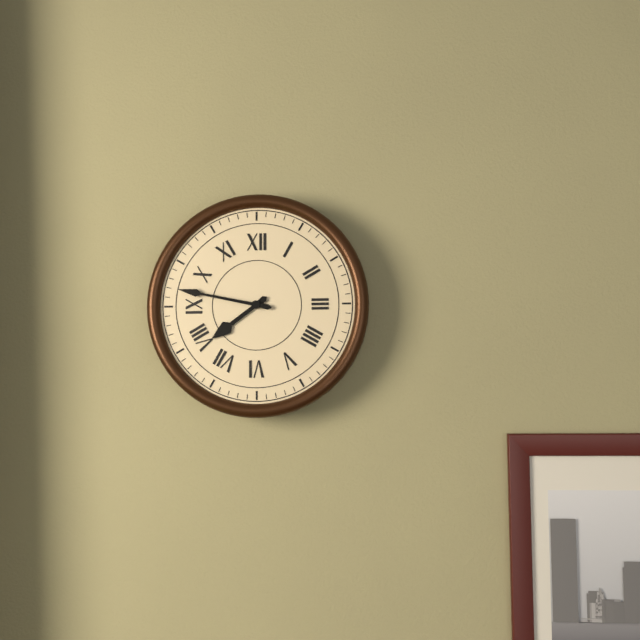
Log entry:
7h47
